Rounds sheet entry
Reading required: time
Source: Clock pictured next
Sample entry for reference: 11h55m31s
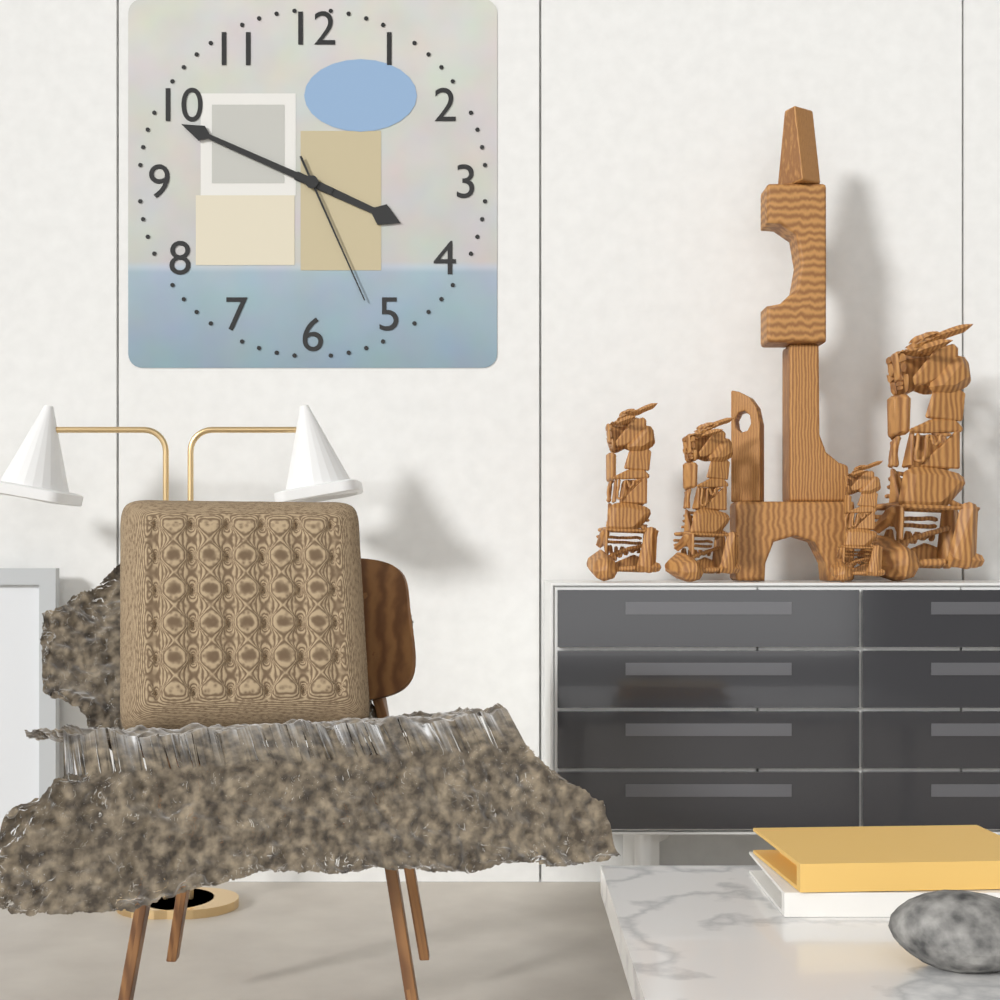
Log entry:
3h49m26s
